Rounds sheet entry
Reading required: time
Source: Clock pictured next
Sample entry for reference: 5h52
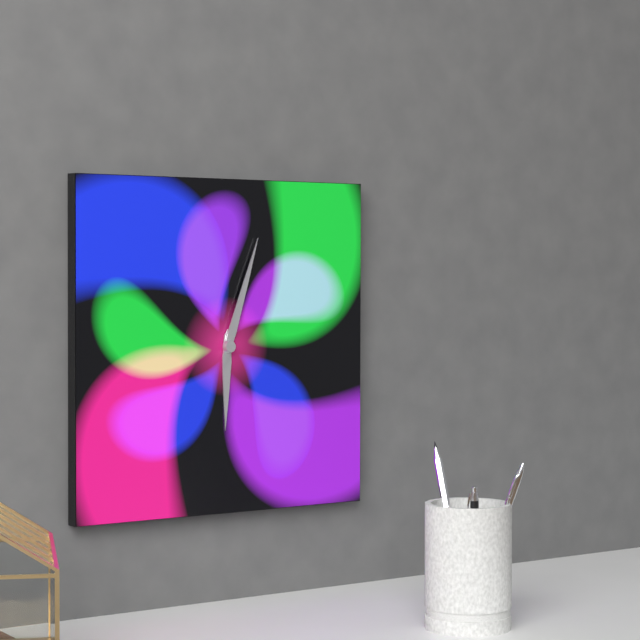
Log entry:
6h03
